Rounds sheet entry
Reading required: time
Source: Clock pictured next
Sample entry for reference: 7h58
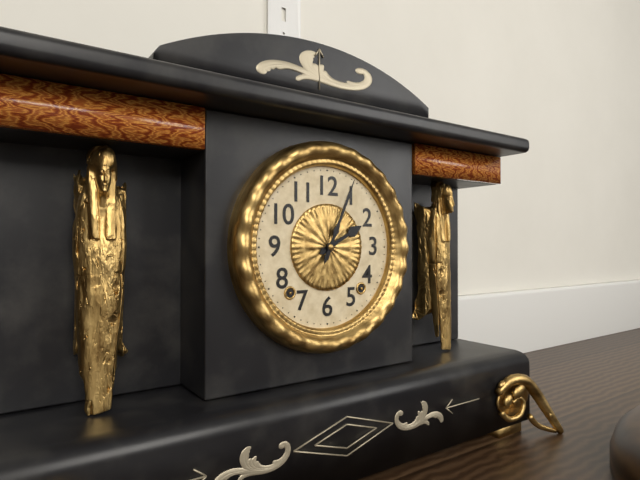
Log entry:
2h04
